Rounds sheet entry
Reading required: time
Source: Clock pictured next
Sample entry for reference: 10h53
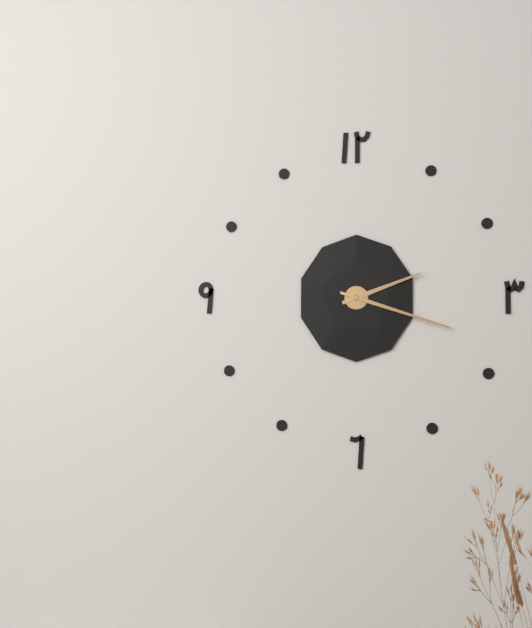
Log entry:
2h18
